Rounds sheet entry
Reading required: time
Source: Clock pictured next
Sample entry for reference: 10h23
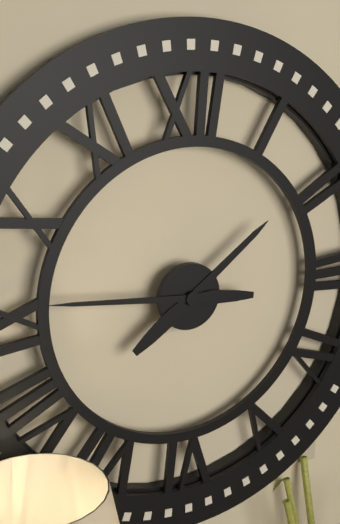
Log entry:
1h46
